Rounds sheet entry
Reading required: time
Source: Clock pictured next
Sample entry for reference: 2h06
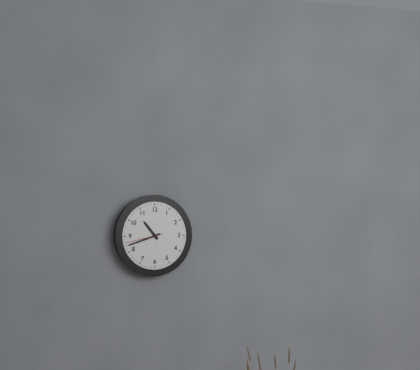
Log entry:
10h42
